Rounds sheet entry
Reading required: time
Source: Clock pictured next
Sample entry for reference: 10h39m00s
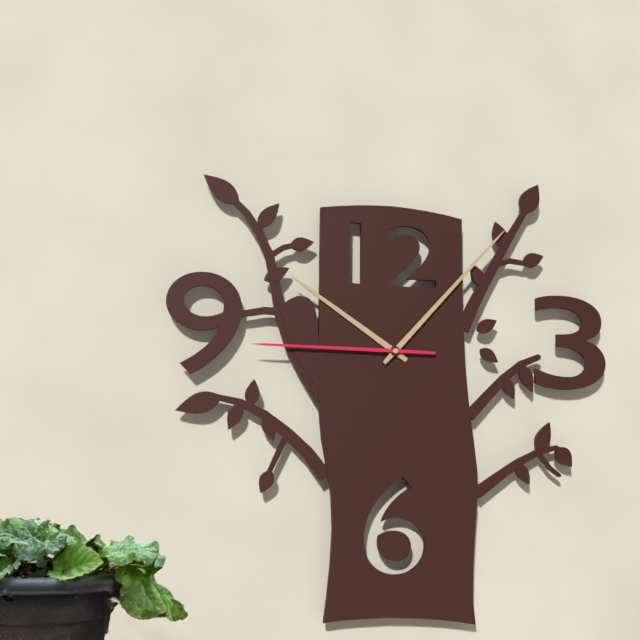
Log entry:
10h07m45s
